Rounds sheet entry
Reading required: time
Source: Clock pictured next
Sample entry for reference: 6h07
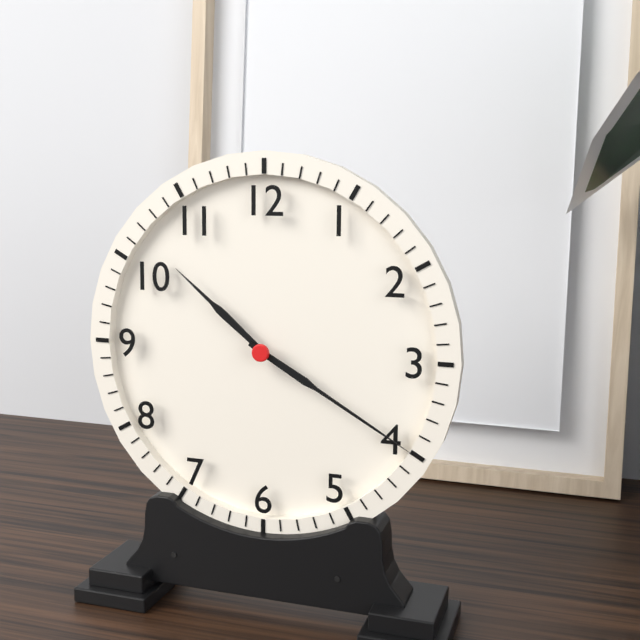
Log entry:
10h20
